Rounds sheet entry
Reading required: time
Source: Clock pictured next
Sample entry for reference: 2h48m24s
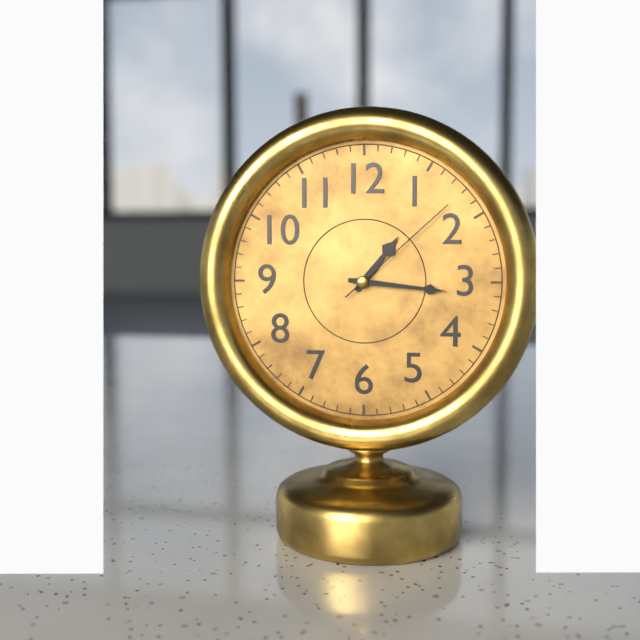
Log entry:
1h16m08s
